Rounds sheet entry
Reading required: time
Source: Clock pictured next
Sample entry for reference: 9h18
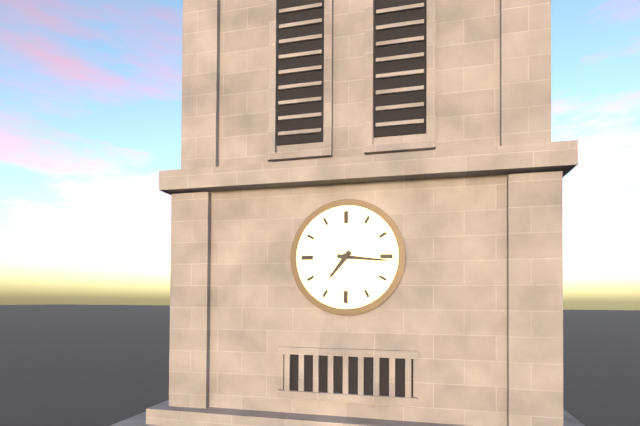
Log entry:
7h16
